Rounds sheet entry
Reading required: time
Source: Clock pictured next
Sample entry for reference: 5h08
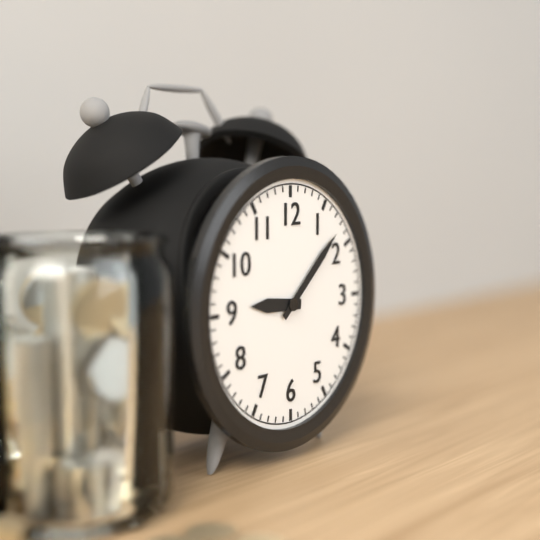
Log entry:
9h08
